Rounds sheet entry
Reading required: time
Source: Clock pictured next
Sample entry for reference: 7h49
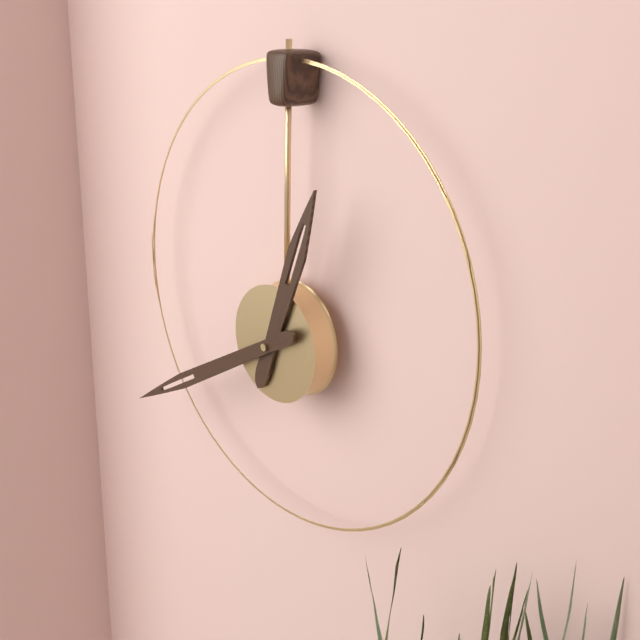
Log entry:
12h40
